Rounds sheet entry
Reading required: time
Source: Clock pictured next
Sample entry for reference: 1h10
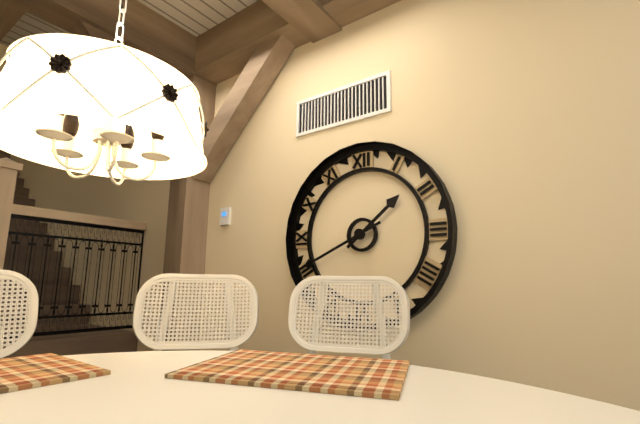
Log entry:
1h41
